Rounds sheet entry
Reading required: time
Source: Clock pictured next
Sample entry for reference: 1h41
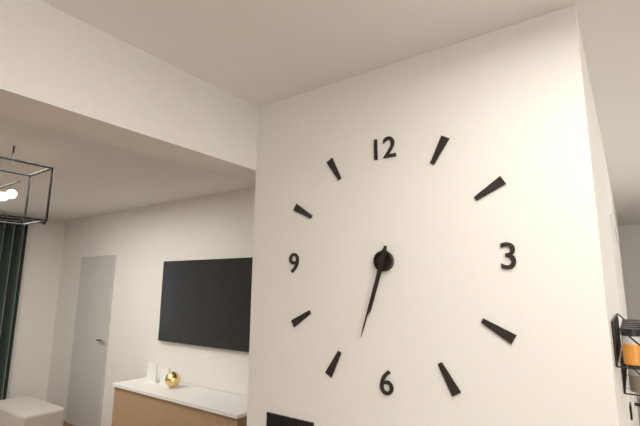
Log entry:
6h33
